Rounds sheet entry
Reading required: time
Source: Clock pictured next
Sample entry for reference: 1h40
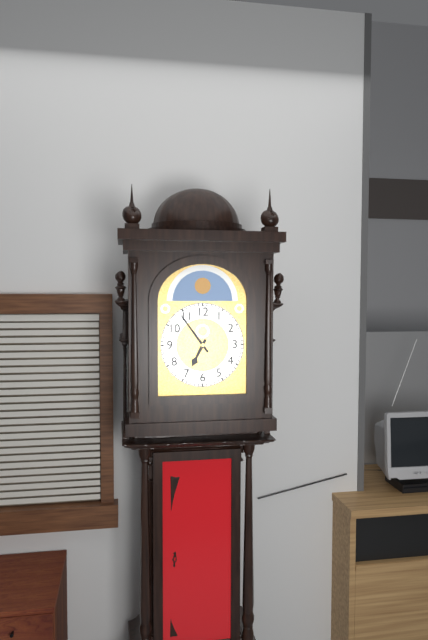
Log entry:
6h54
